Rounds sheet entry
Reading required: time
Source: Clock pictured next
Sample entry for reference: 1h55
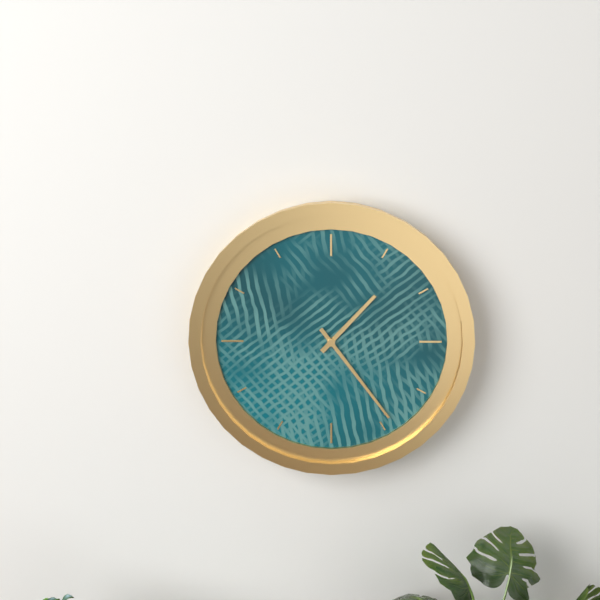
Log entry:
1h24
